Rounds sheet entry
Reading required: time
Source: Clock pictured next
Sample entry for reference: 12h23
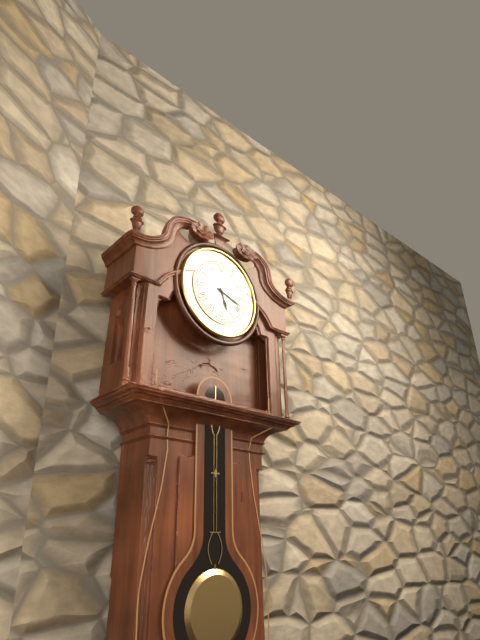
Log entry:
5h18
